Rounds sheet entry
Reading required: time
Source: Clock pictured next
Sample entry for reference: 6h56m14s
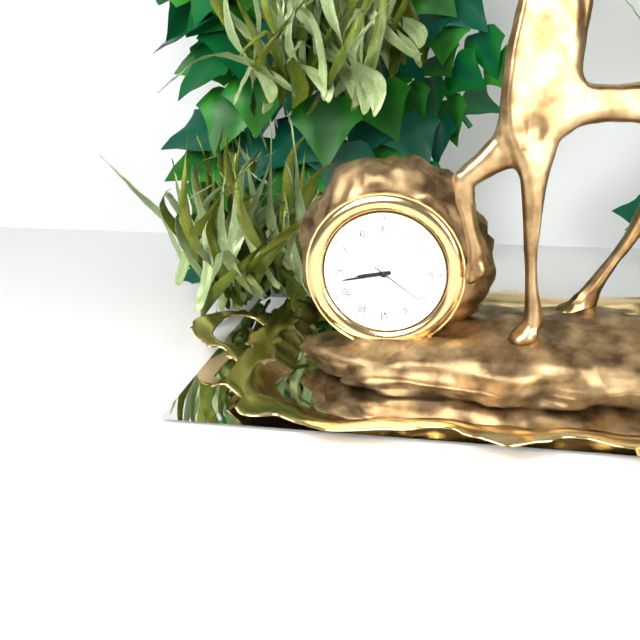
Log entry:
8h43m21s
